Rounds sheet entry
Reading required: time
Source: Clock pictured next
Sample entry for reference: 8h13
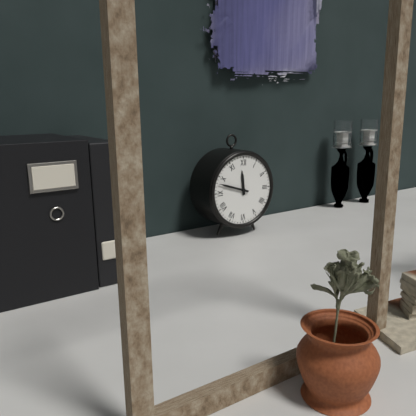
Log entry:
11h48
